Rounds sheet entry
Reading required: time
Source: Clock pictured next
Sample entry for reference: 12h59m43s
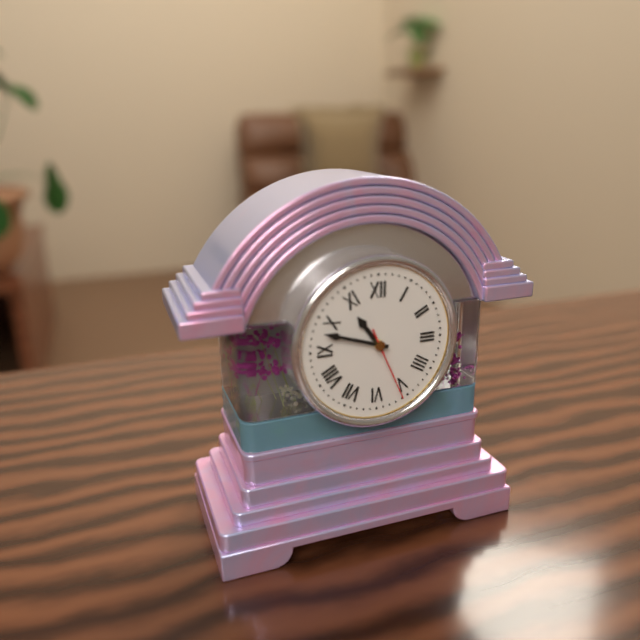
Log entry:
10h48m26s
